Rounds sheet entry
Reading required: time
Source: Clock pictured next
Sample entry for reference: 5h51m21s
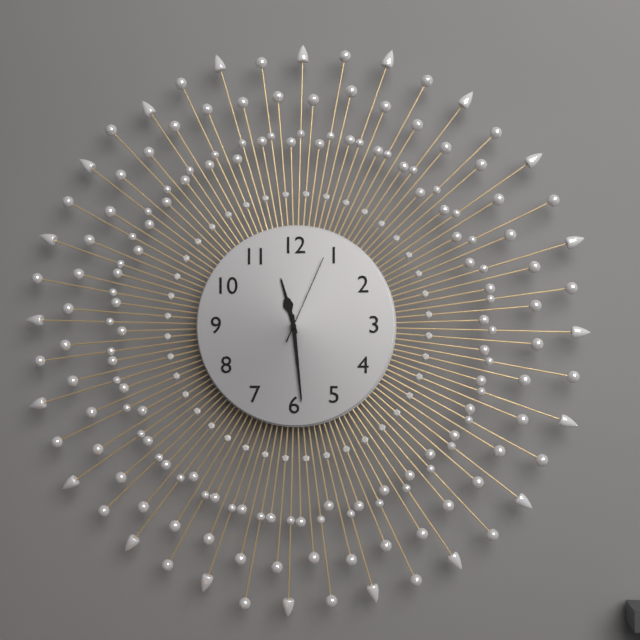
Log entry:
11h29m04s
